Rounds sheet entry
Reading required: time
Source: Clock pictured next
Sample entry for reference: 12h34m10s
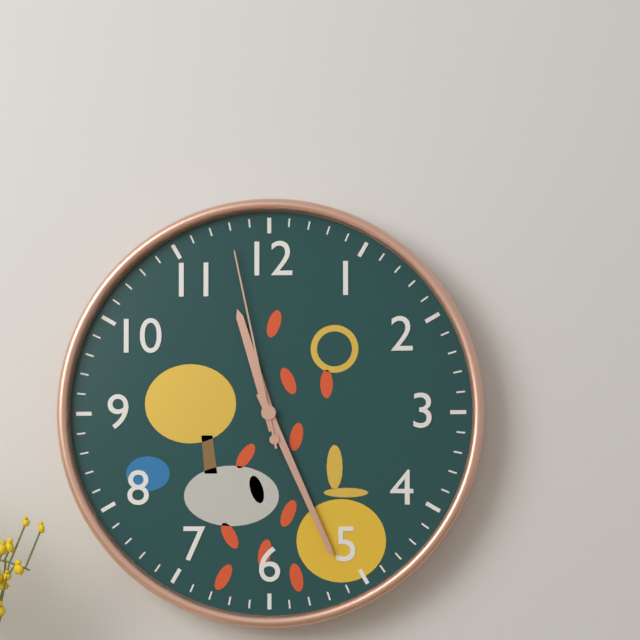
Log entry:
11h26m58s
